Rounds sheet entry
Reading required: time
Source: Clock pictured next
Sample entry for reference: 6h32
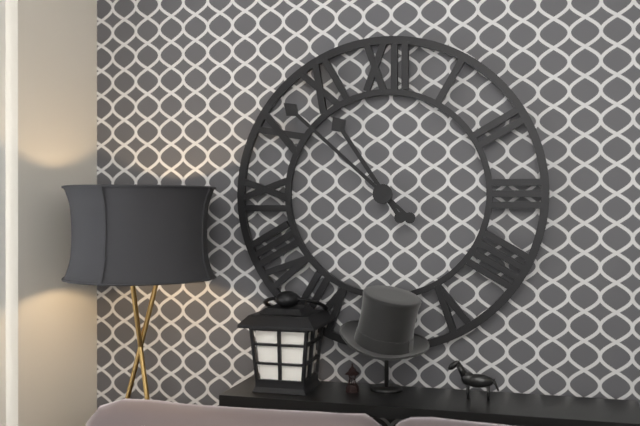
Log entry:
10h52
